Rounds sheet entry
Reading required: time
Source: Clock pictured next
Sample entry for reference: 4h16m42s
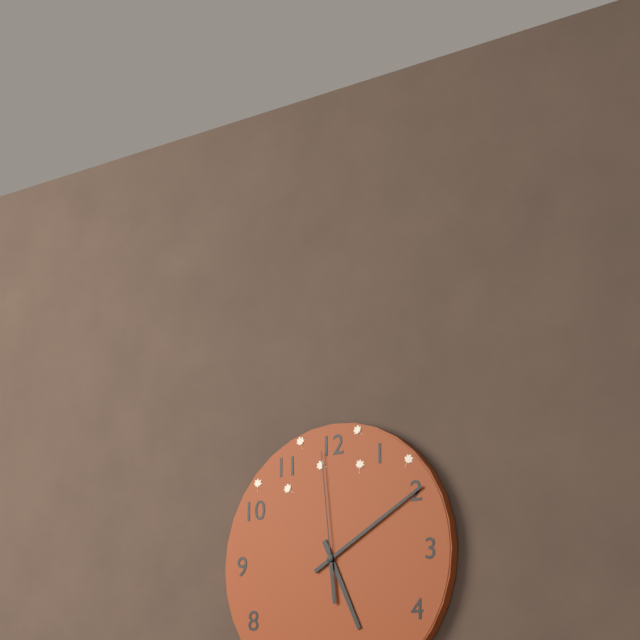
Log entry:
5h10m59s
